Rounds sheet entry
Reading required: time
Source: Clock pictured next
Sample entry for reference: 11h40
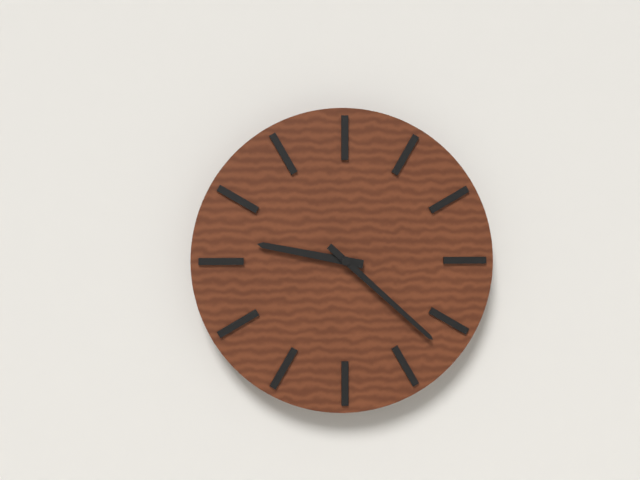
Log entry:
9h22
